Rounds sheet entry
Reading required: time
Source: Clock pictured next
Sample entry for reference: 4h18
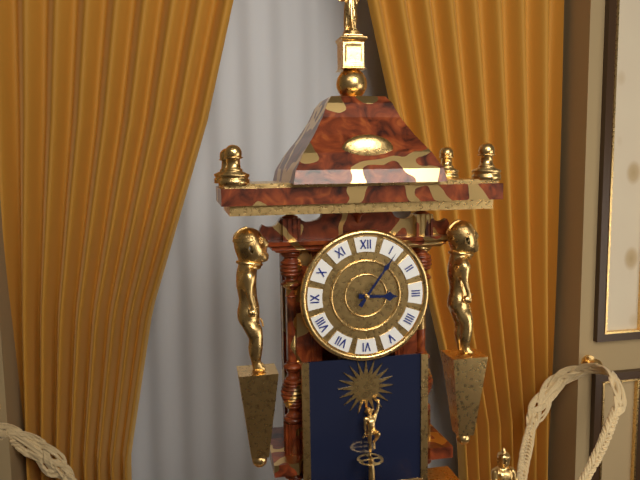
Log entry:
3h06
